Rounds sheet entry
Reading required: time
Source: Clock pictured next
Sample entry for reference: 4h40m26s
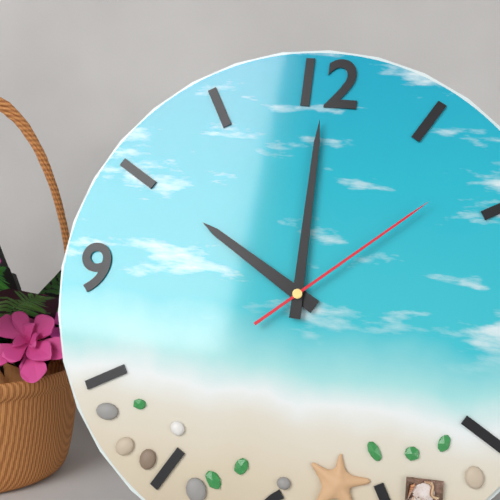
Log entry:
10h00m08s
